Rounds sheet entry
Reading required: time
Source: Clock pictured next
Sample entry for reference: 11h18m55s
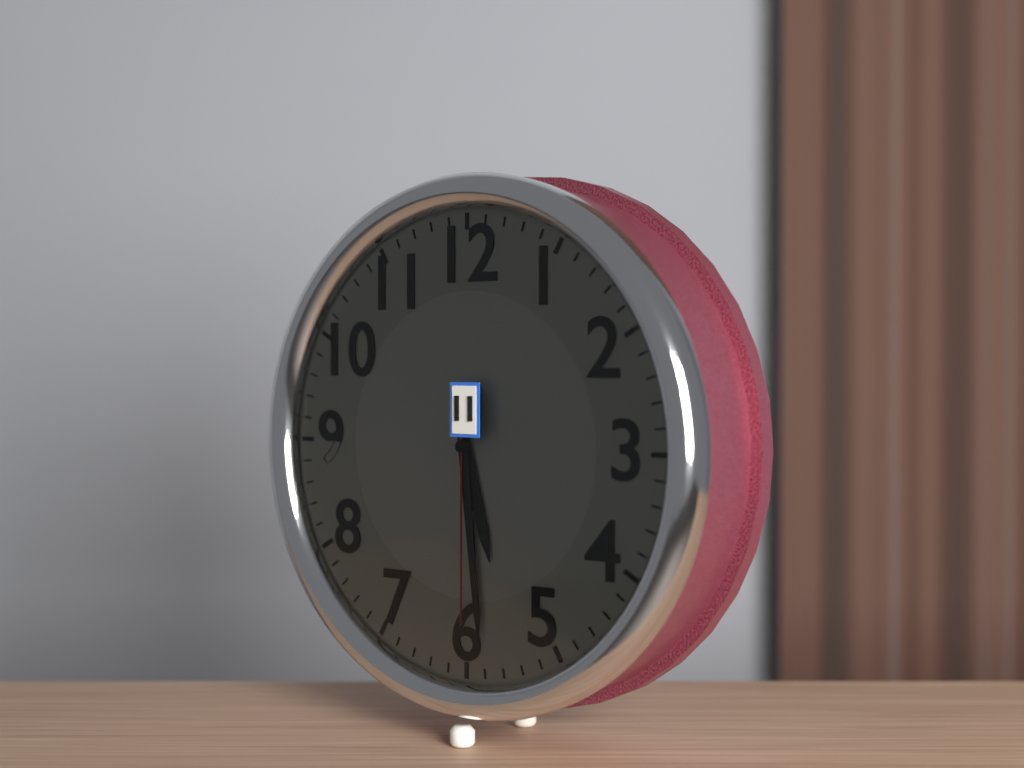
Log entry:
5h29m30s
